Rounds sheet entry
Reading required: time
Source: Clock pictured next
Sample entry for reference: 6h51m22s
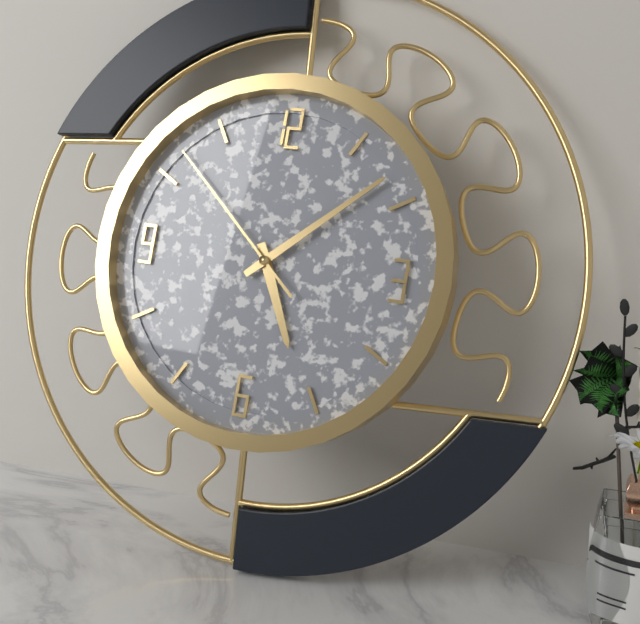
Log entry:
5h08m52s
